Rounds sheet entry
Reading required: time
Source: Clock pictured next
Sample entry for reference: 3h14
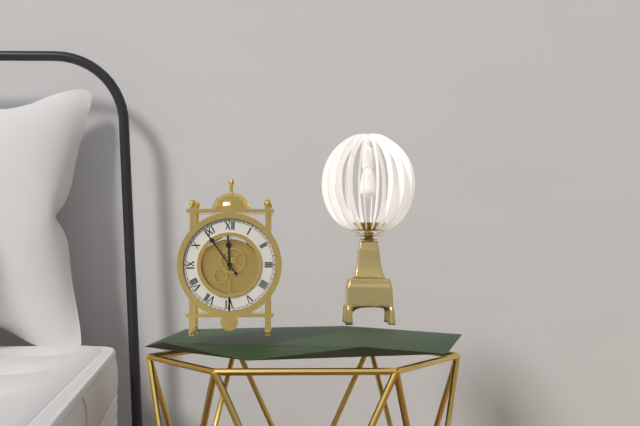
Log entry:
11h54
